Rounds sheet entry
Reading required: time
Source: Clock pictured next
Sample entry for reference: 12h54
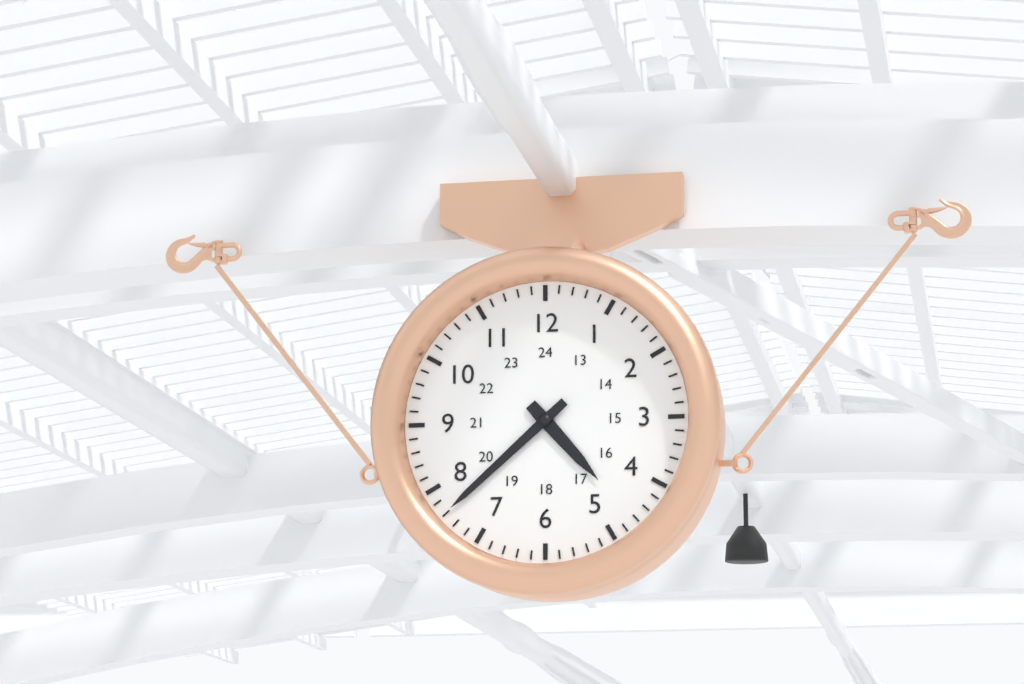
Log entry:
4h38
